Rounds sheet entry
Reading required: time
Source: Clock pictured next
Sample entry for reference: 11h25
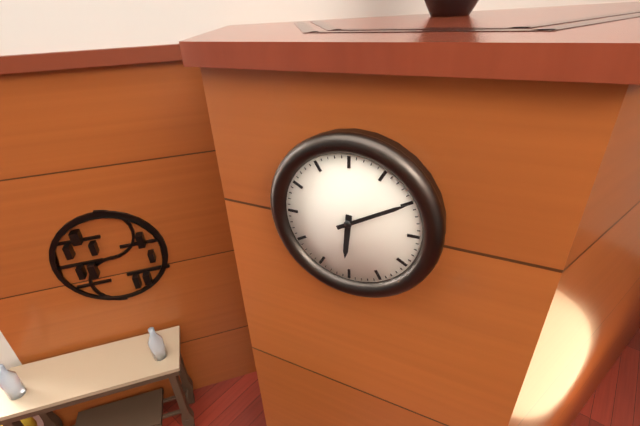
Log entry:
6h10
